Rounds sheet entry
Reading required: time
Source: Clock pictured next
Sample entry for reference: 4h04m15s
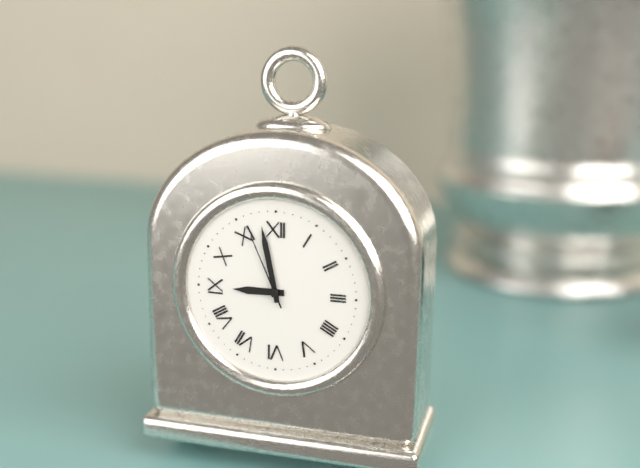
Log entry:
8h58m56s
